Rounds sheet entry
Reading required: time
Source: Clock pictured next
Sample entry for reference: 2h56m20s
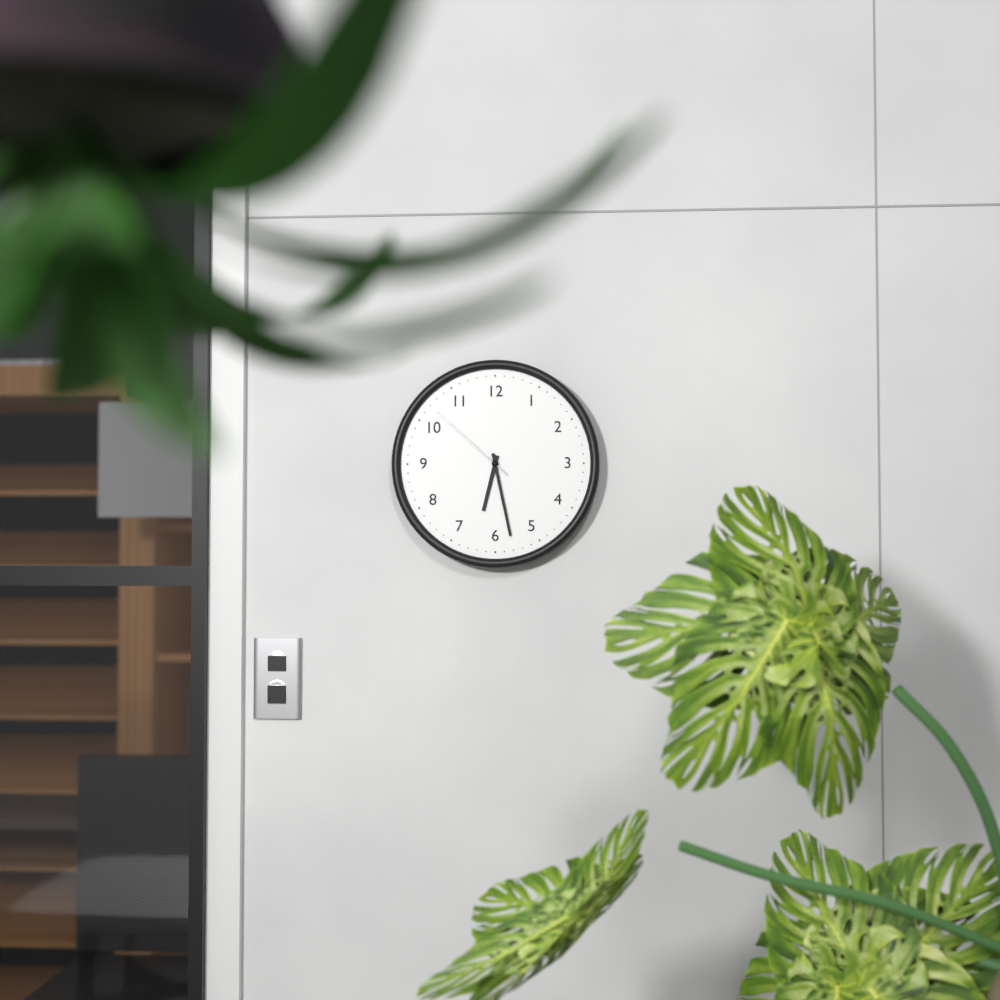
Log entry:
6h28m52s
